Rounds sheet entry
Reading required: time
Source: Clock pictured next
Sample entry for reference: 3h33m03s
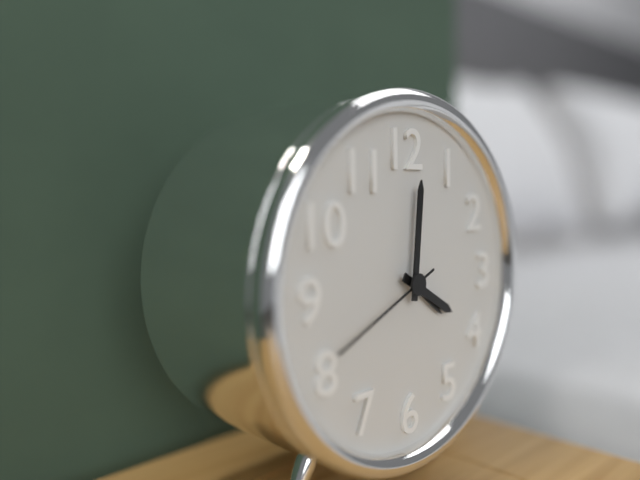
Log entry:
4h01m41s
